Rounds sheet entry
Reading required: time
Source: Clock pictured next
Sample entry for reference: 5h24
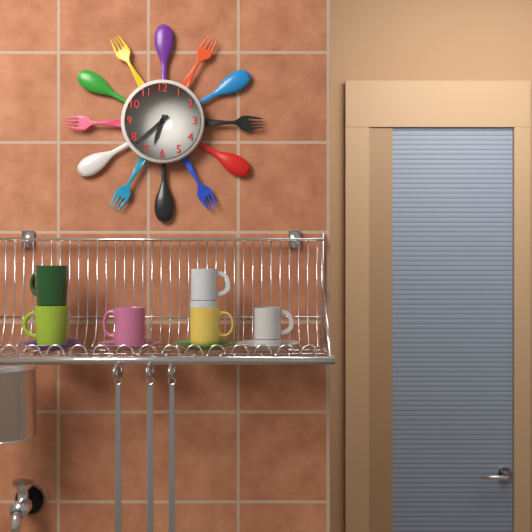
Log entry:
6h38
